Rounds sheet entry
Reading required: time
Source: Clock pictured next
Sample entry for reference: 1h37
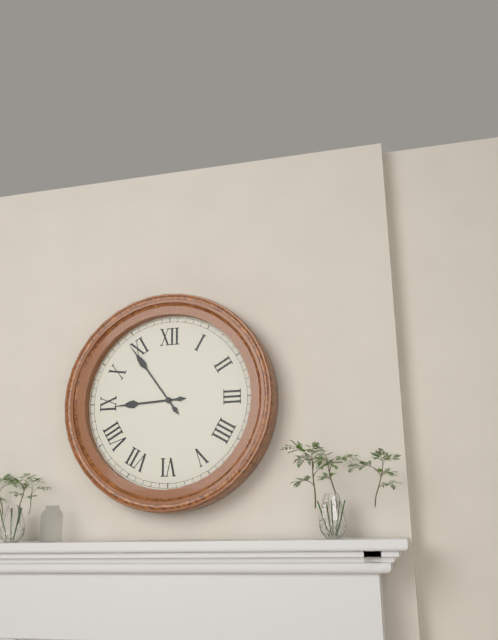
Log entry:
8h54
